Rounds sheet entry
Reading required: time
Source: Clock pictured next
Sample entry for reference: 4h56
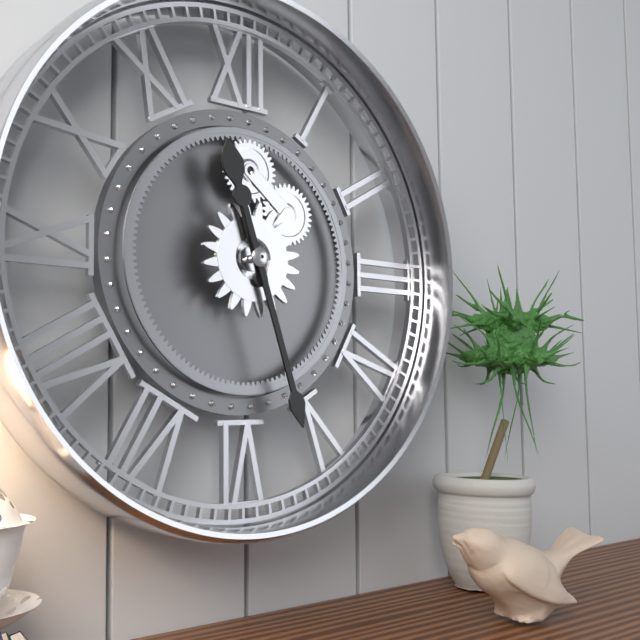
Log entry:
11h27
